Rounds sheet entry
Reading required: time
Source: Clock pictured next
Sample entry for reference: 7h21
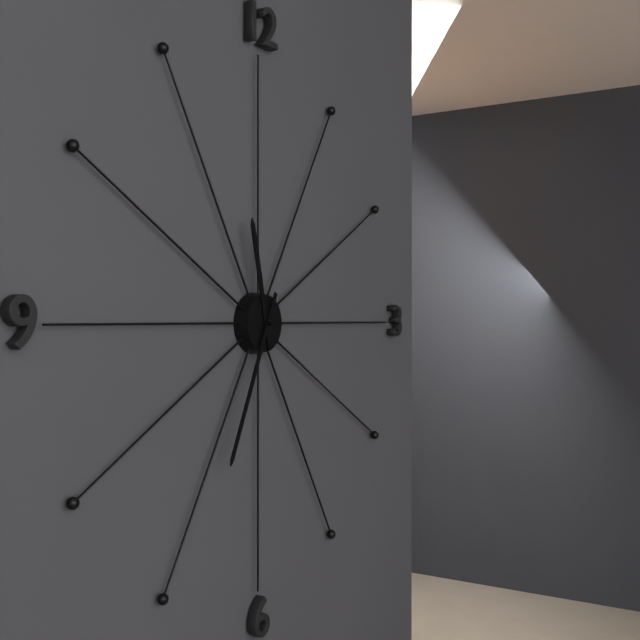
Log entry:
11h34
